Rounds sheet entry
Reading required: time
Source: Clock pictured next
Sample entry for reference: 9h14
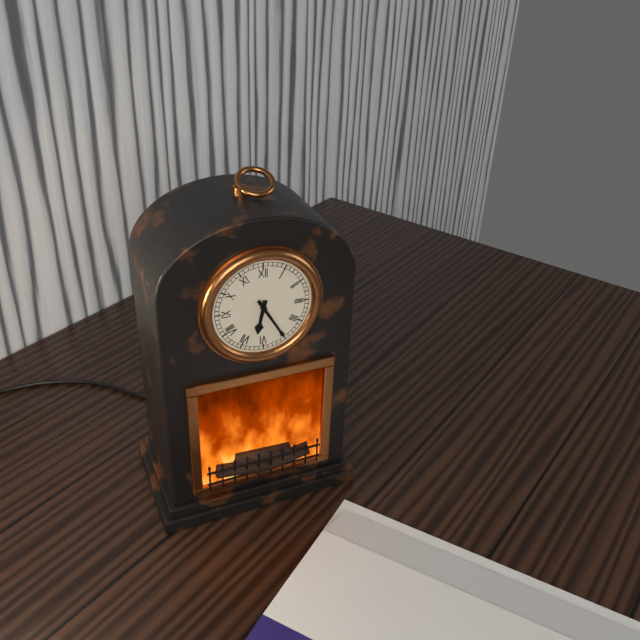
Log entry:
6h25
